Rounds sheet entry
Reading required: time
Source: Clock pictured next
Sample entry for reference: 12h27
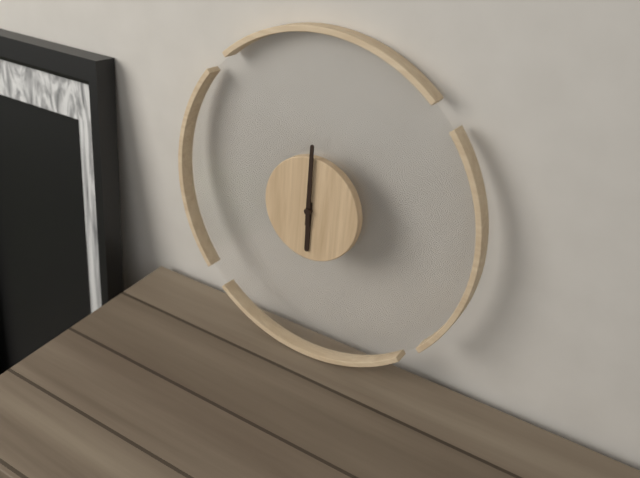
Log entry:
6h00
